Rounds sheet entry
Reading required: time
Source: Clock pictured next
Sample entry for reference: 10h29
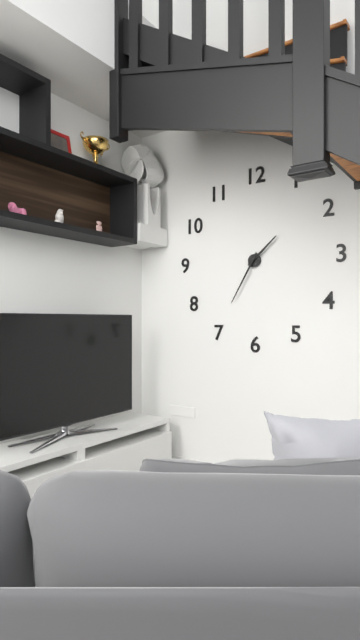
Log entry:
1h35
